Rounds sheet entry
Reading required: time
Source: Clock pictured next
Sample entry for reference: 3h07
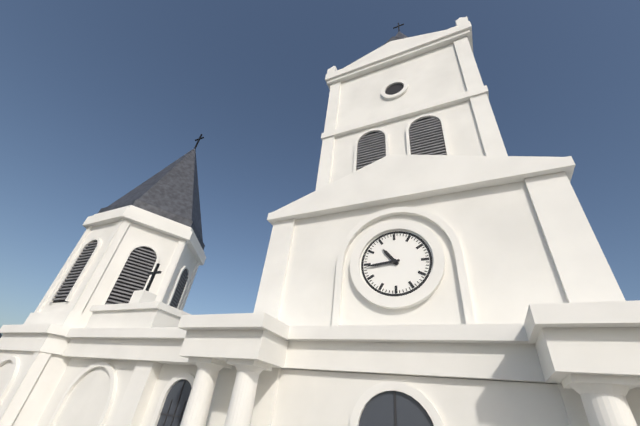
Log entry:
10h44
